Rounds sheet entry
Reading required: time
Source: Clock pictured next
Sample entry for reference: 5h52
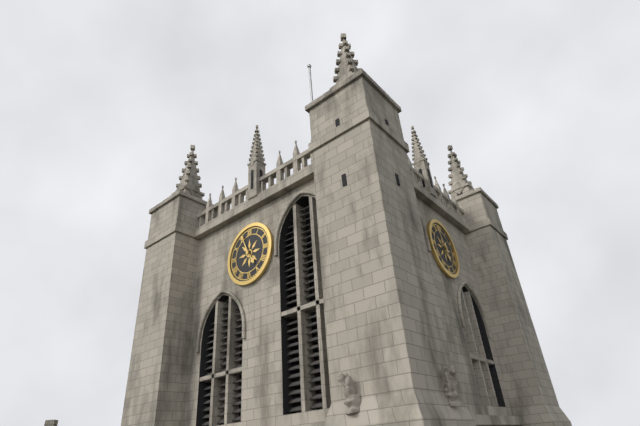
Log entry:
4h56
